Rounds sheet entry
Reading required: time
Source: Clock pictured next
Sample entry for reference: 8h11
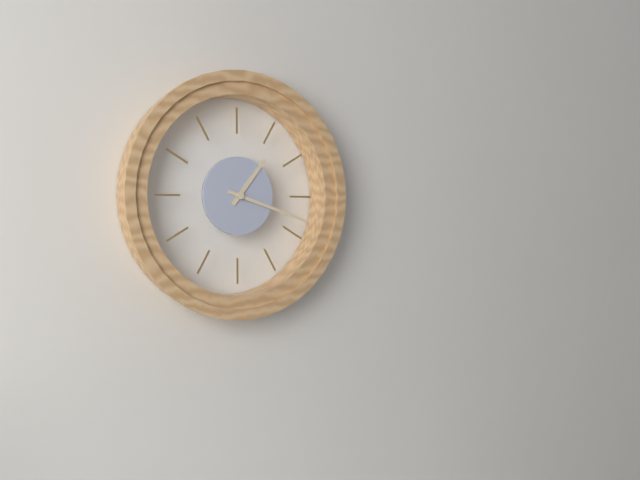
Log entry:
1h18
